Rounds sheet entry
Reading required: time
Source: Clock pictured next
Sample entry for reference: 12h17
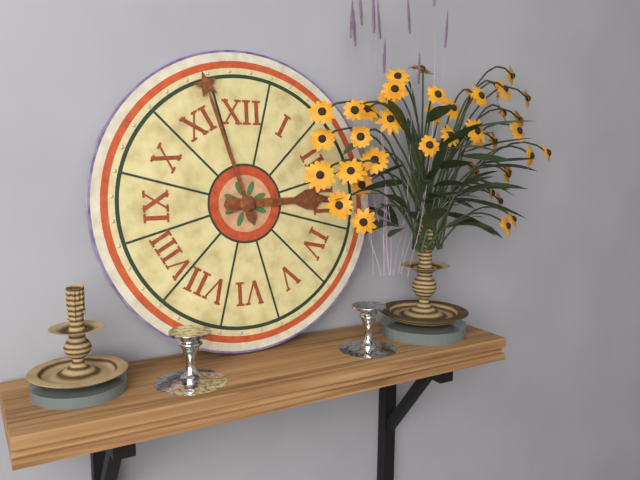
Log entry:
2h57
